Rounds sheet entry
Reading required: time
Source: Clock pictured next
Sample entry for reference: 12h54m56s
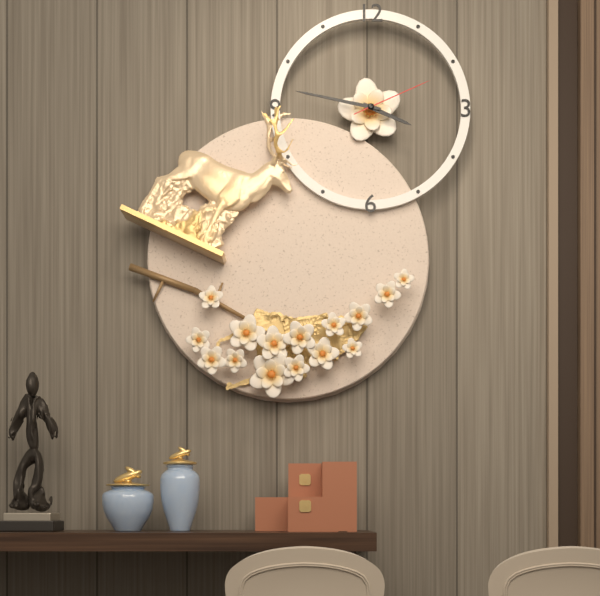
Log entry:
3h47m11s
